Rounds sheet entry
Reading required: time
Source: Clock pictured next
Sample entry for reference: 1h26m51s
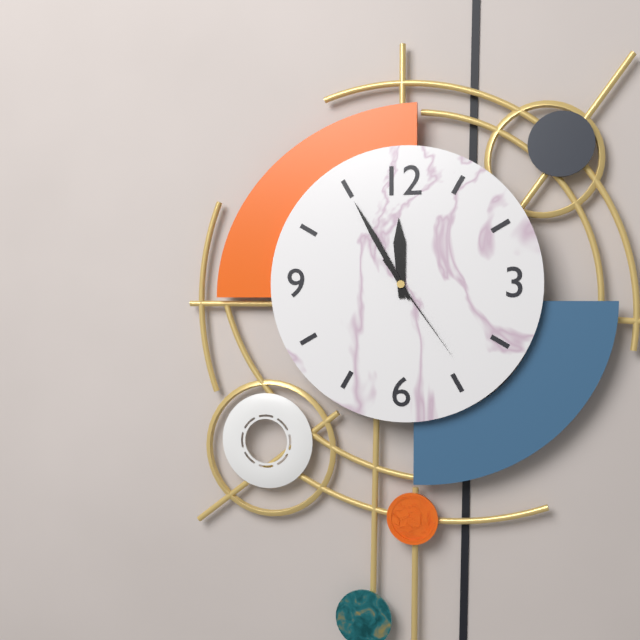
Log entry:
11h55m24s
